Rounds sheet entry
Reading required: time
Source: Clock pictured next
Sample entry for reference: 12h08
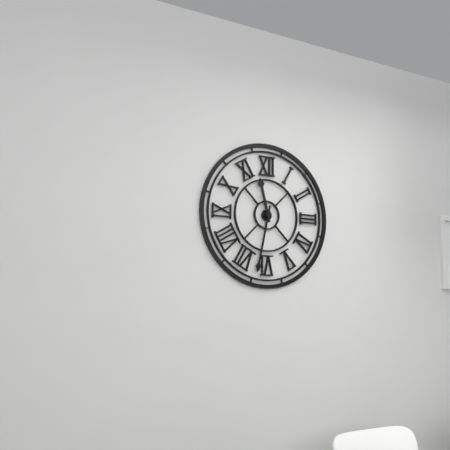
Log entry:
11h32
